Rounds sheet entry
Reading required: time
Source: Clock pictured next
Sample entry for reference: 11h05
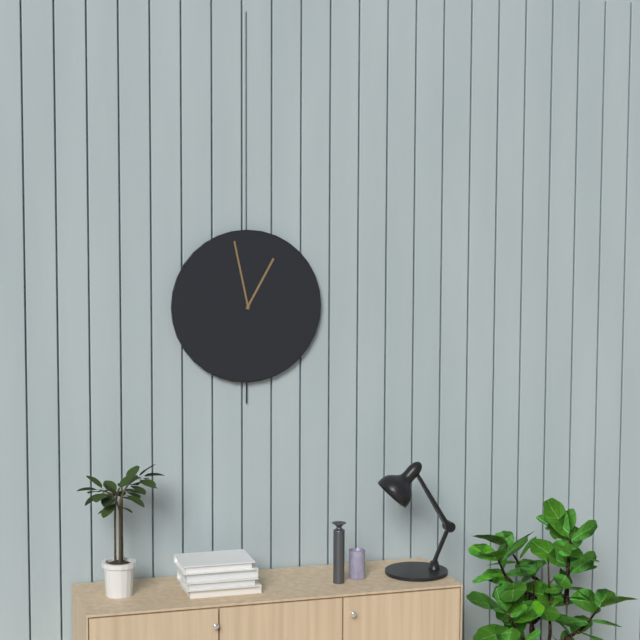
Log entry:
12h58
